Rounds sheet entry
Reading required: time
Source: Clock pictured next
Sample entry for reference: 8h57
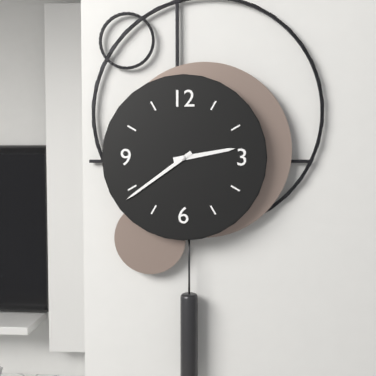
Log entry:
2h39
